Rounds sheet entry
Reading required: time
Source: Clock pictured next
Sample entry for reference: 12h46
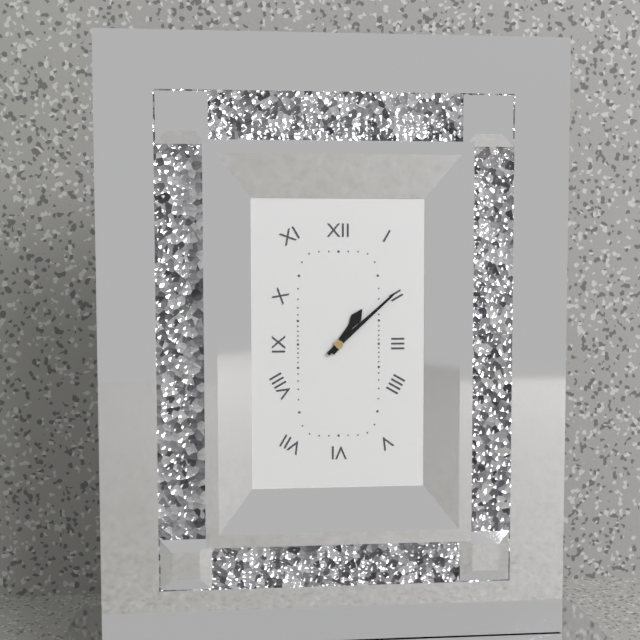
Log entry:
1h08
